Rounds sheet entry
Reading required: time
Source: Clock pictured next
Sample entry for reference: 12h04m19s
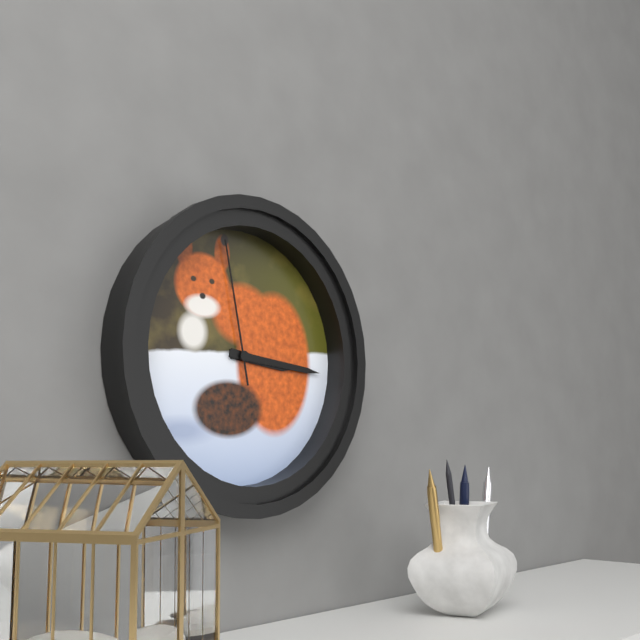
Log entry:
3h16m58s
